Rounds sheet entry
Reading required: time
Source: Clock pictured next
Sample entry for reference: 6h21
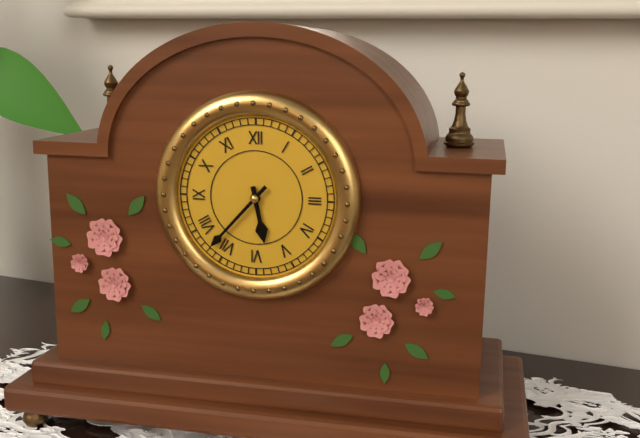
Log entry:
5h37
